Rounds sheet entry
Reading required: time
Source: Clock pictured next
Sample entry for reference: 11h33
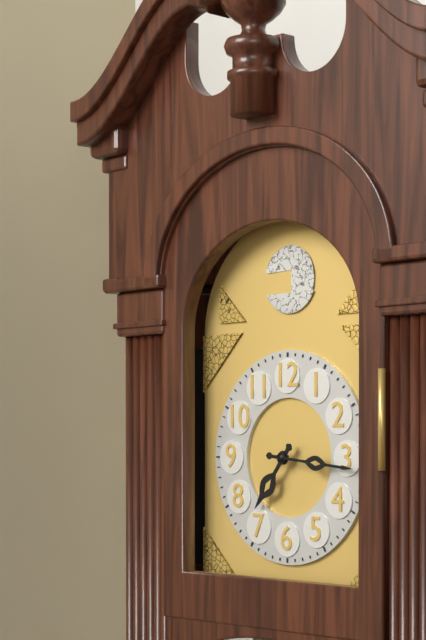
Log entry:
7h16
